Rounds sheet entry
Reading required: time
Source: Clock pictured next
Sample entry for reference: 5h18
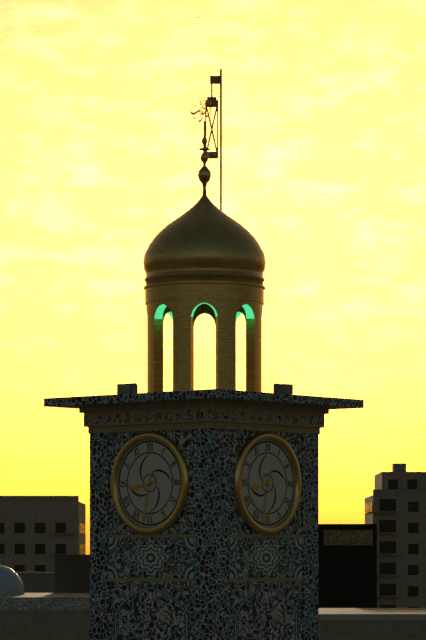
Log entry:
8h32
